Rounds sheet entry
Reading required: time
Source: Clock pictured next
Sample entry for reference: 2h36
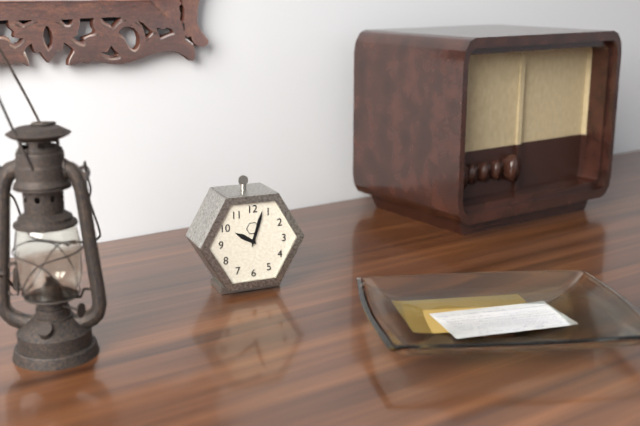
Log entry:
10h03
